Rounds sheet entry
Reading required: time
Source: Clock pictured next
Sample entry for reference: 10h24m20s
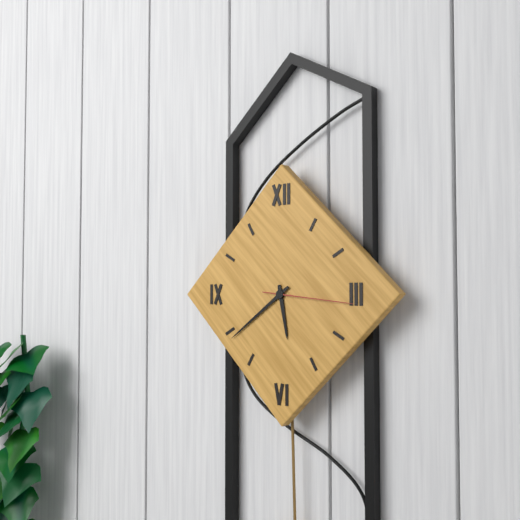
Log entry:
5h39m16s
